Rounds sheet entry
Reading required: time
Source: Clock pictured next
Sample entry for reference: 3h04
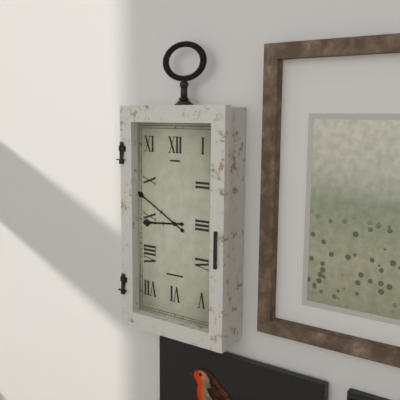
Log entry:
8h50
